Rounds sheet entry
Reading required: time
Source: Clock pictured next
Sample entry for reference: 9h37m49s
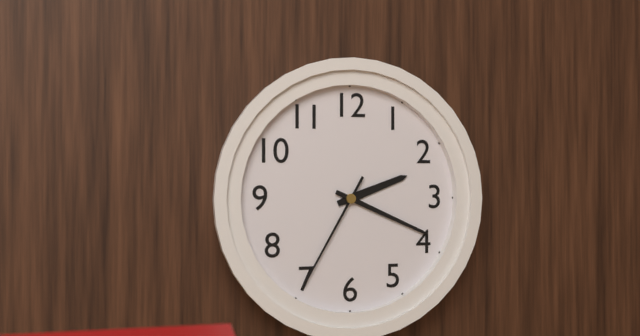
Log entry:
2h19m35s
